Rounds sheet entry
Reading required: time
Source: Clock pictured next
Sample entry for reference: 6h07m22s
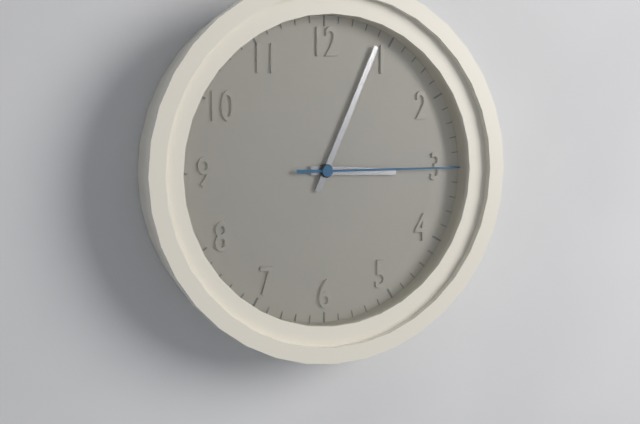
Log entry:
3h04m15s
